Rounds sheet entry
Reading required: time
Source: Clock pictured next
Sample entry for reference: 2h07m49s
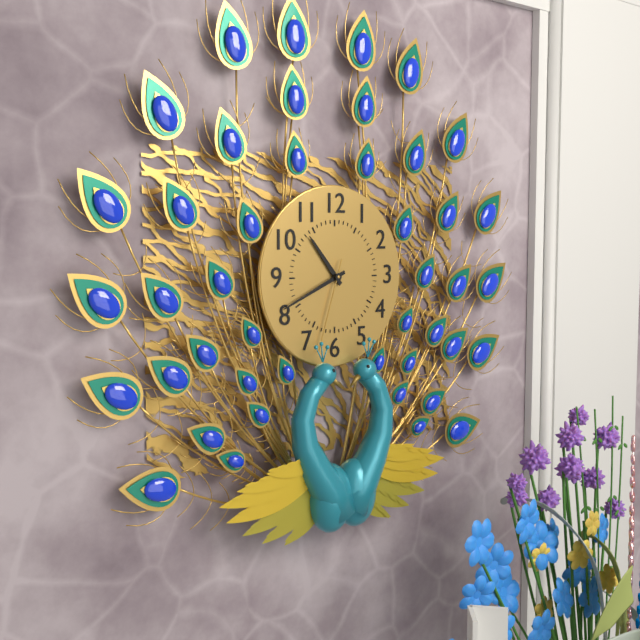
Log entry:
10h41m33s
